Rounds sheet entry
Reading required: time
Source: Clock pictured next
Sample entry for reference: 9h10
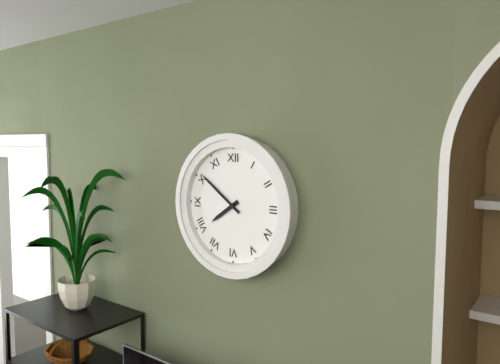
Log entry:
7h51
